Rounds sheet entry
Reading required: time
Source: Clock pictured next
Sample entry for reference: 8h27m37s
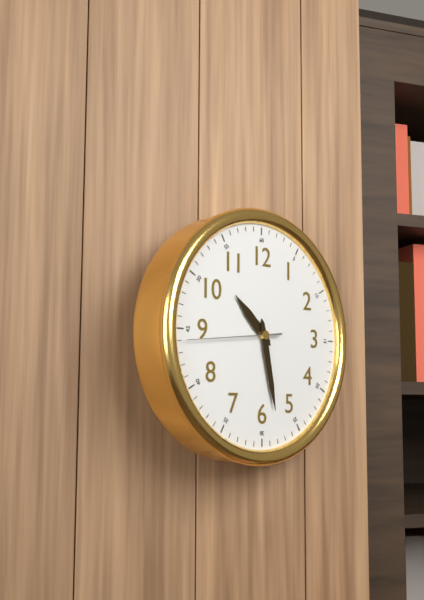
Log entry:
10h28m44s
